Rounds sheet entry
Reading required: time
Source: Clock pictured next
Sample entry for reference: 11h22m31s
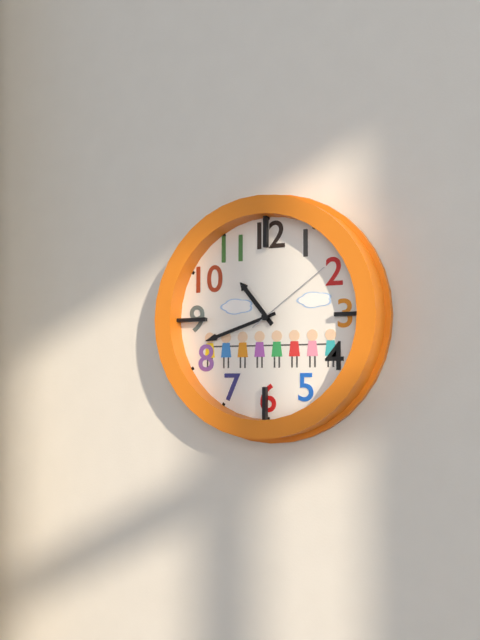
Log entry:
10h42m09s
